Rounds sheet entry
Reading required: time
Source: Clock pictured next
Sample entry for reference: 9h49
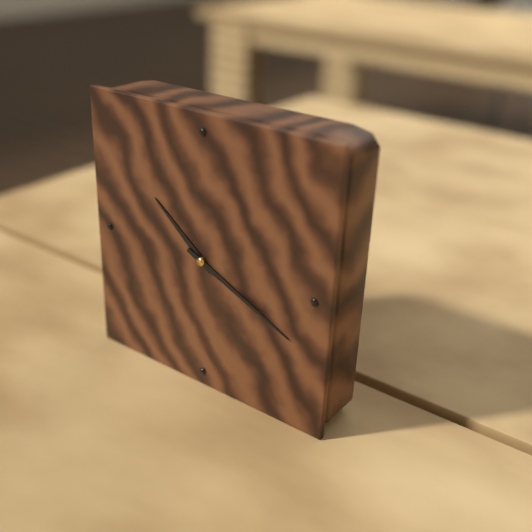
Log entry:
10h19
